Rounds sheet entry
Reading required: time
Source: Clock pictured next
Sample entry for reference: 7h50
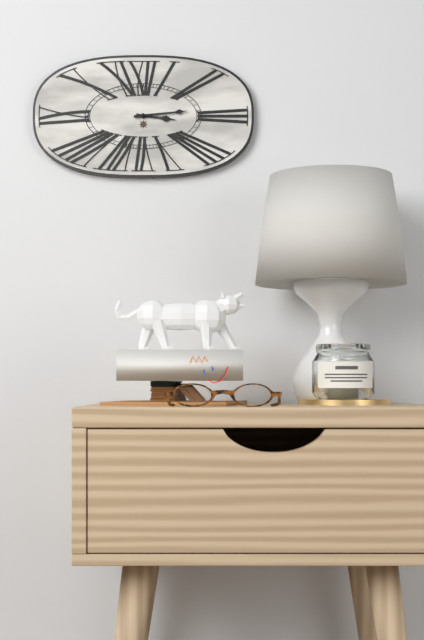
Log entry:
3h14
